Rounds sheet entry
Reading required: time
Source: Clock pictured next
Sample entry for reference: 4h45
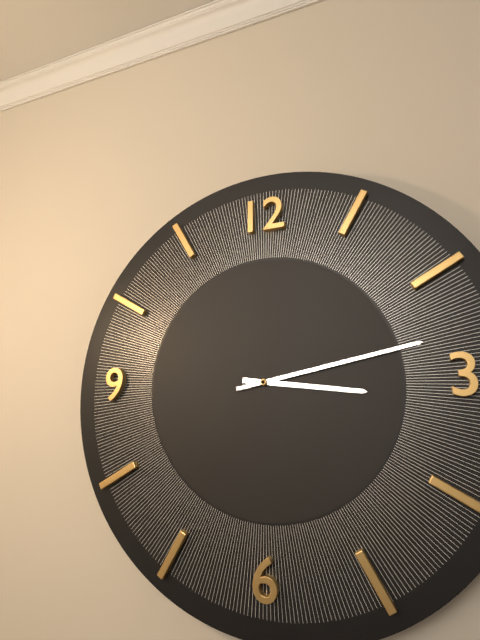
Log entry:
3h13
